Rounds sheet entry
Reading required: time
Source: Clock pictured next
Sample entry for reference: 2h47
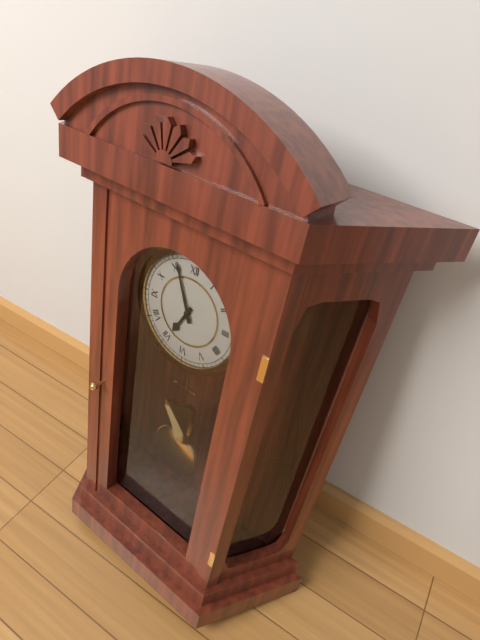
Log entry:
6h56
